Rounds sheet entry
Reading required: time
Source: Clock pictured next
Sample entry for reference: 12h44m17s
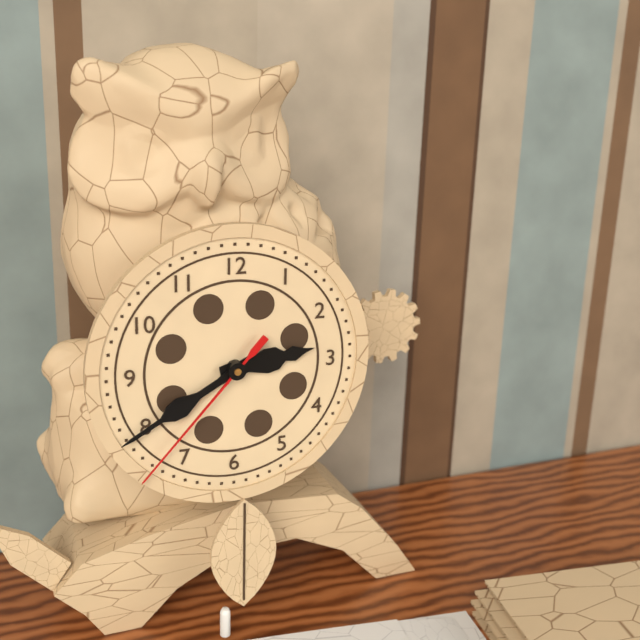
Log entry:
2h40m37s
